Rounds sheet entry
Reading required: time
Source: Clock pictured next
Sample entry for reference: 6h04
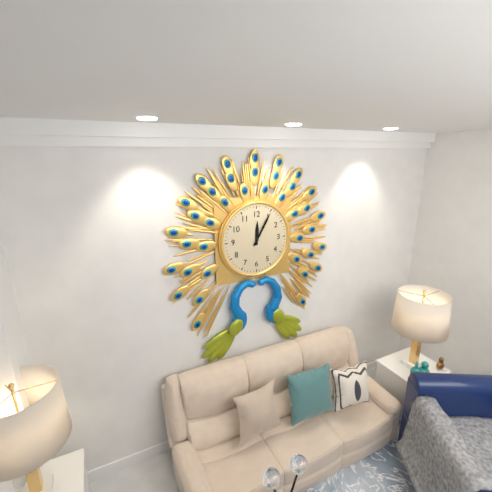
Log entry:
12h05
